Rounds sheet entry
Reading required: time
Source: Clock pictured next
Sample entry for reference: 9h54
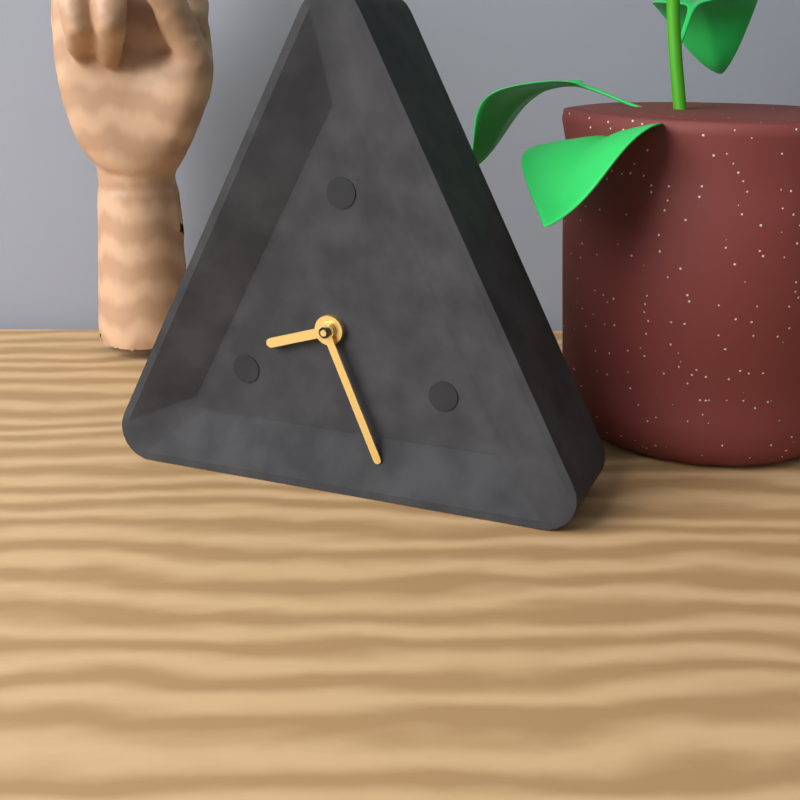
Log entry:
8h26
